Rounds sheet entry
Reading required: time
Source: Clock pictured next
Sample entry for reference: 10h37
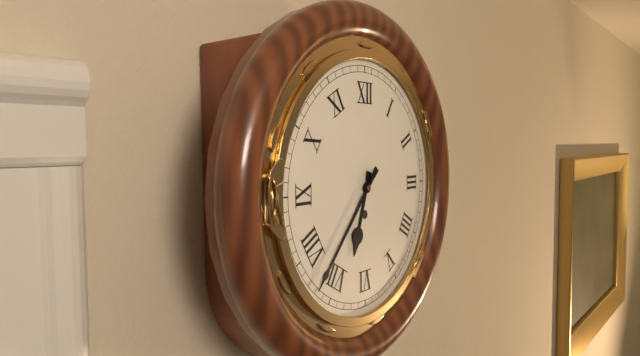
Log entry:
6h37
